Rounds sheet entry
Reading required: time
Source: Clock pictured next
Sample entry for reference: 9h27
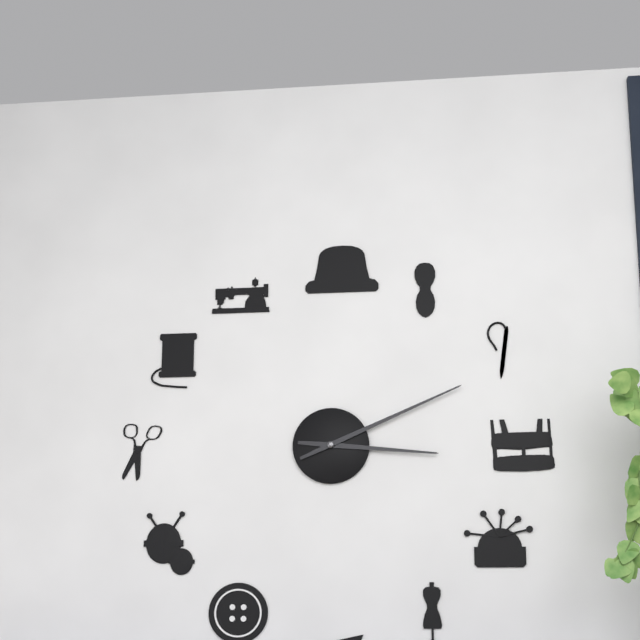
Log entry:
3h11
